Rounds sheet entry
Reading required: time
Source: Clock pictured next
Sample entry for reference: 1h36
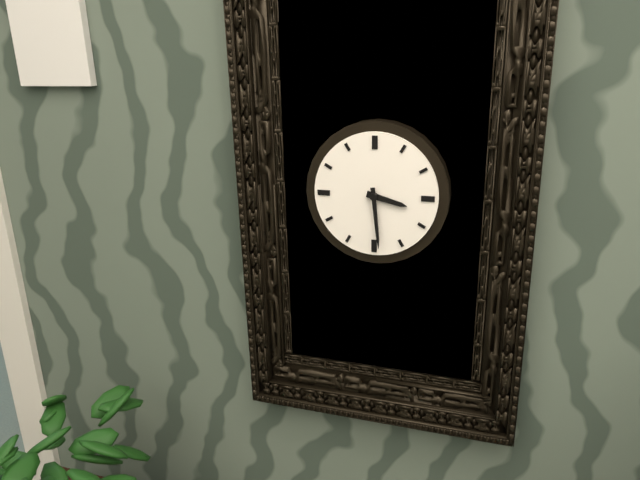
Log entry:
3h29
